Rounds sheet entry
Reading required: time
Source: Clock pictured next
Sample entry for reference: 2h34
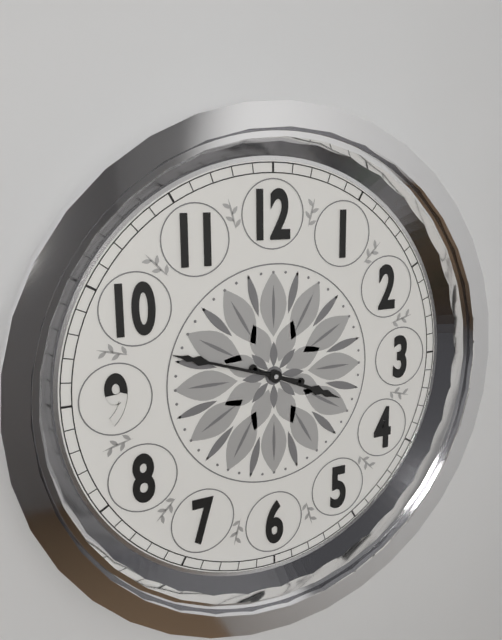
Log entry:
3h48
